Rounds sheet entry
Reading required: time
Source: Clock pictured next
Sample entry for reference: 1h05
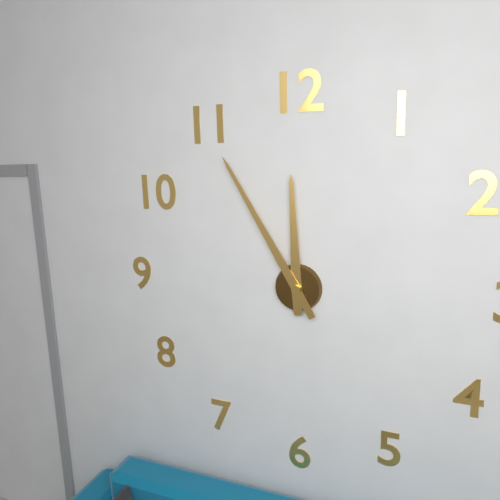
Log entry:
11h55
